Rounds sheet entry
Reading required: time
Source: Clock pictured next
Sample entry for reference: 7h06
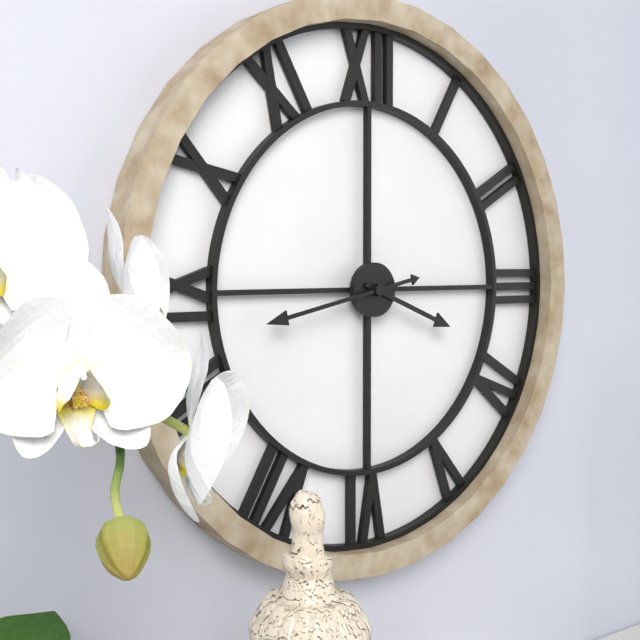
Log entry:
3h43
